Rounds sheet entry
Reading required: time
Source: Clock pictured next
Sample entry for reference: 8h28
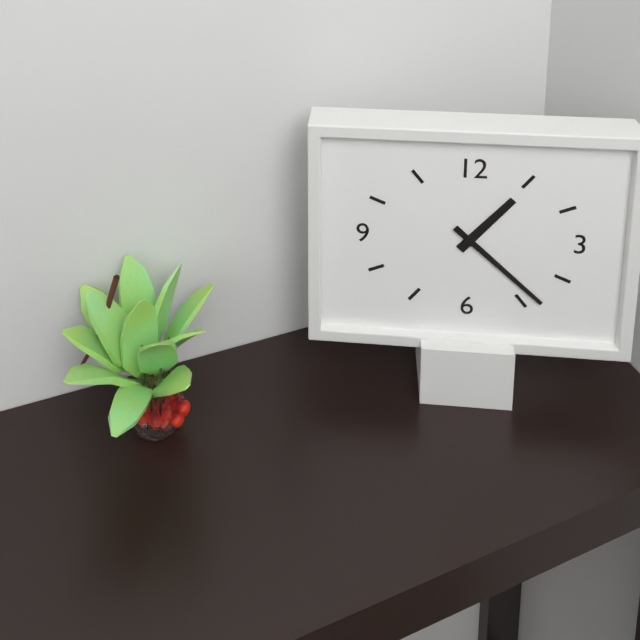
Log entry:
1h22
